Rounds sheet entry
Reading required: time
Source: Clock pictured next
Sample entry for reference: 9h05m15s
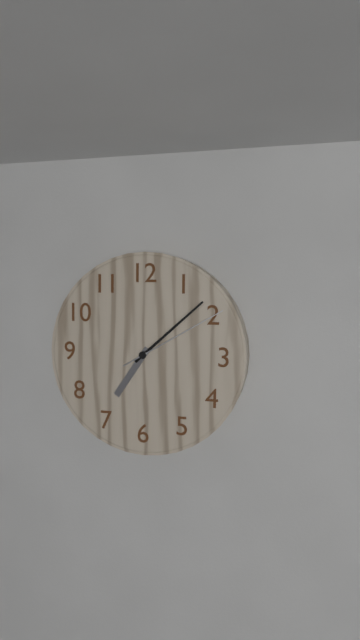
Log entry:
7h08m10s
